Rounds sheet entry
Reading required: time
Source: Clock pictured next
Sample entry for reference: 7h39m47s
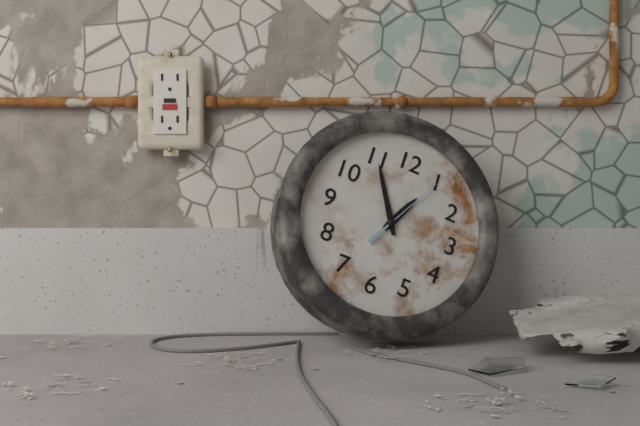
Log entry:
12h55m05s
